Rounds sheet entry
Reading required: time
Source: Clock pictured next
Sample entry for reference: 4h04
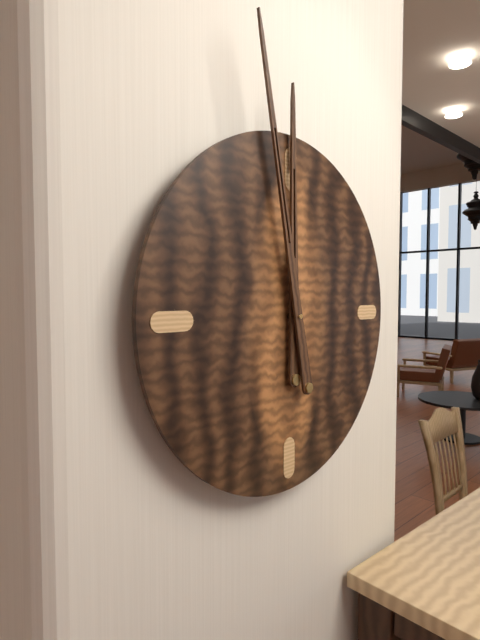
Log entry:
11h58
